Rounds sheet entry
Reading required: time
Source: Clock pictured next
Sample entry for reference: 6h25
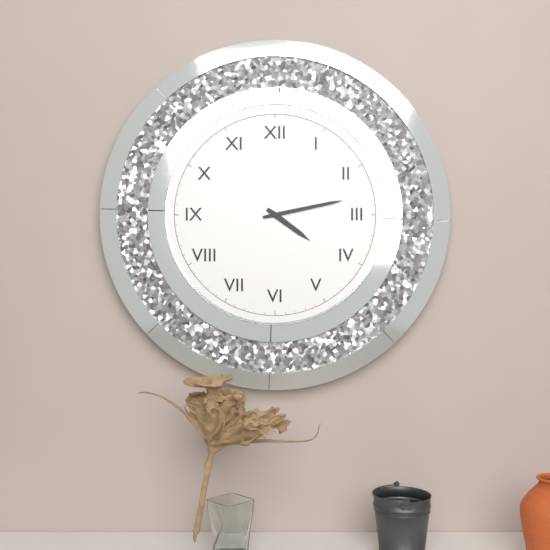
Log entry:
4h13
